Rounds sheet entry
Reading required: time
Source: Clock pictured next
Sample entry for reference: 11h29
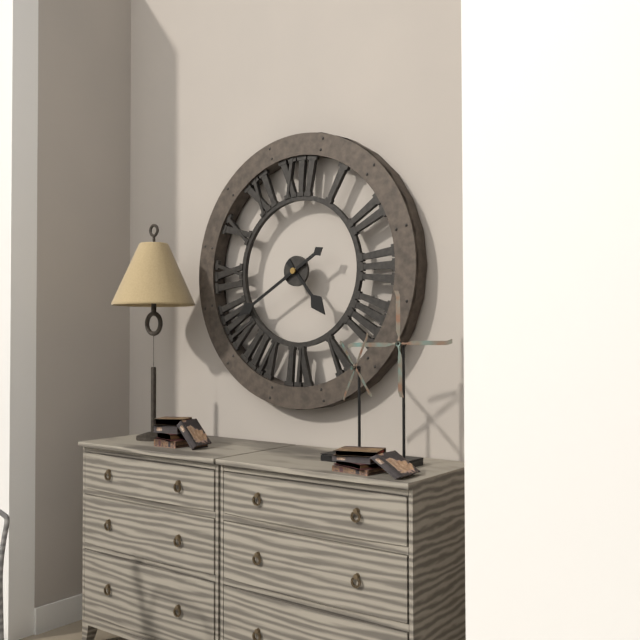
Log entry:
4h40
